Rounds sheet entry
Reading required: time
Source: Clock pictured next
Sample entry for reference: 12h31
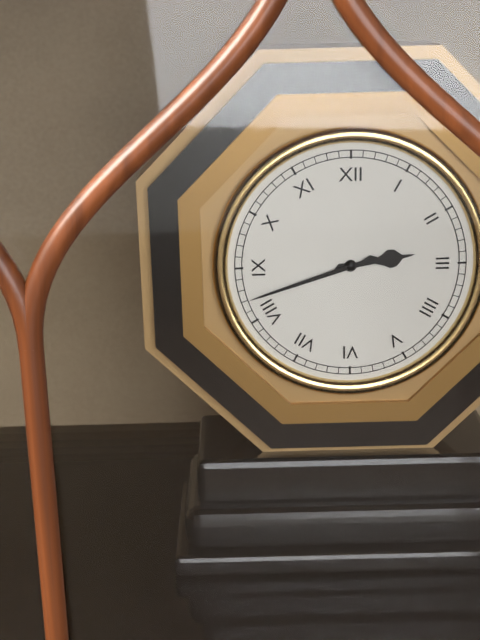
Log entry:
2h42
